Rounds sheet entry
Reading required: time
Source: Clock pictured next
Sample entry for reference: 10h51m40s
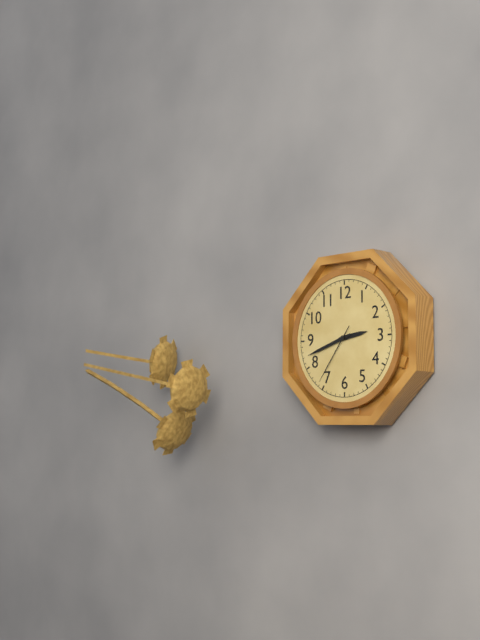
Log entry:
2h42m36s
